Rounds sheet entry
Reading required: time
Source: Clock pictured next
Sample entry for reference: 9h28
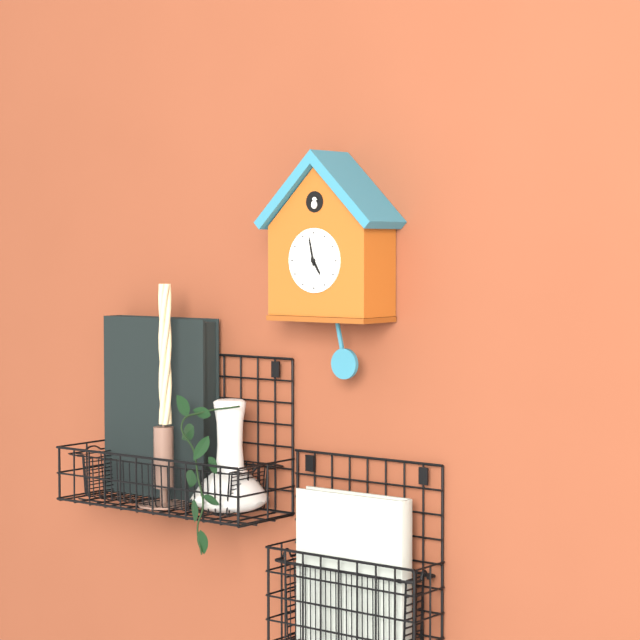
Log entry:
4h58
